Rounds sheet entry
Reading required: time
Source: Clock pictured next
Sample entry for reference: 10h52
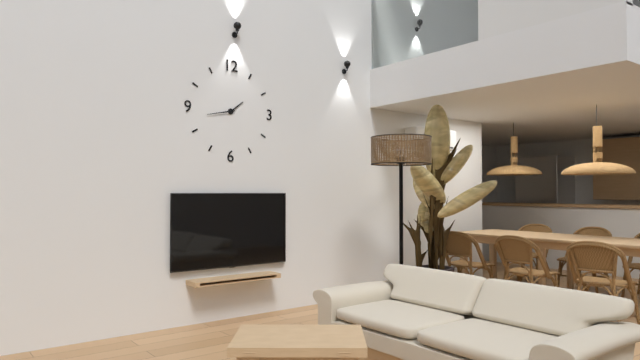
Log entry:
1h43
